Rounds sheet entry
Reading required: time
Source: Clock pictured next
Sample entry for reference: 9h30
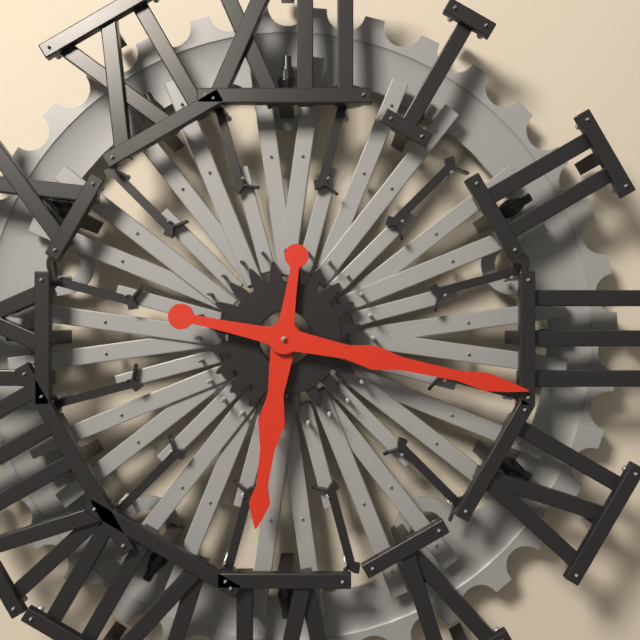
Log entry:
6h17
